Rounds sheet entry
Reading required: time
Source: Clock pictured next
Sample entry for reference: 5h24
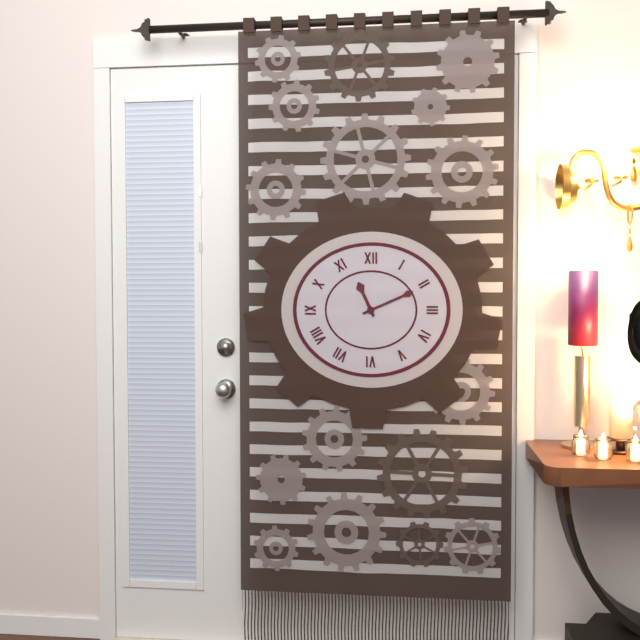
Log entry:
11h11
